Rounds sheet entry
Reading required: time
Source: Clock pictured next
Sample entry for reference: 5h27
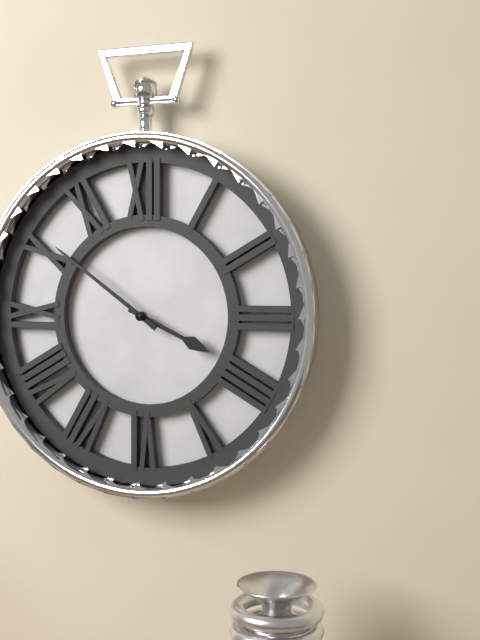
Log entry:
3h51
